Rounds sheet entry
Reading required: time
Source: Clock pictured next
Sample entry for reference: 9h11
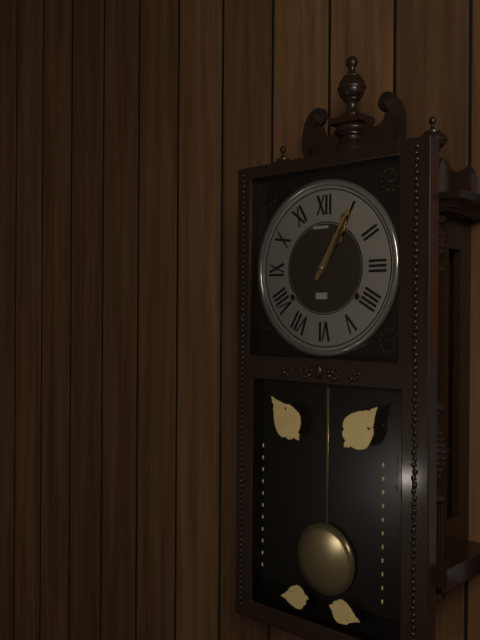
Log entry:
1h05
